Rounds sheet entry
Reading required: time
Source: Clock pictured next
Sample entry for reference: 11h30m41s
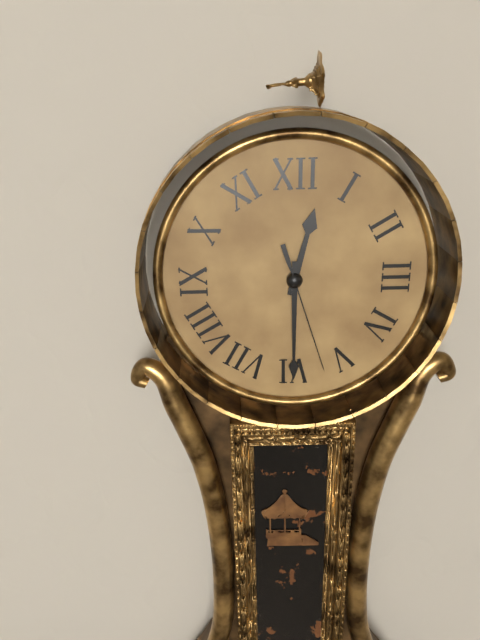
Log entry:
12h30m27s
